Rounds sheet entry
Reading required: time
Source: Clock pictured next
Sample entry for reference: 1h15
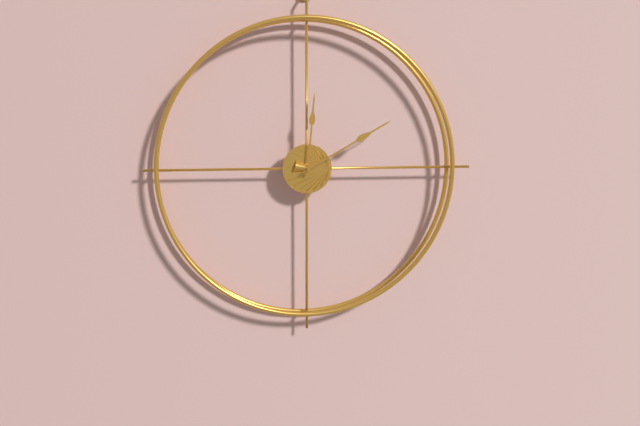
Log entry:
12h10
